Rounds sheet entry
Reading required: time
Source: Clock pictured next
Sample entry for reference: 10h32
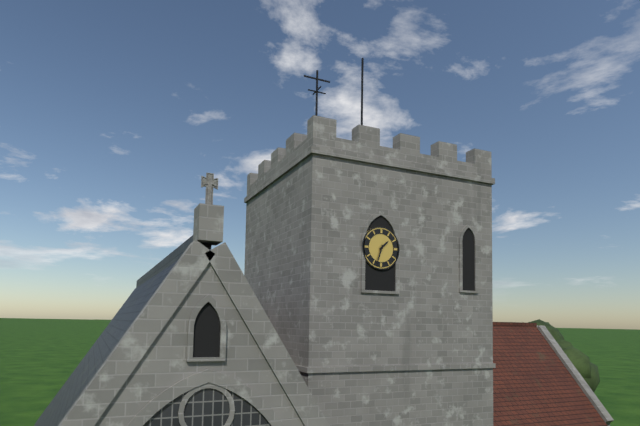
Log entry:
1h33
